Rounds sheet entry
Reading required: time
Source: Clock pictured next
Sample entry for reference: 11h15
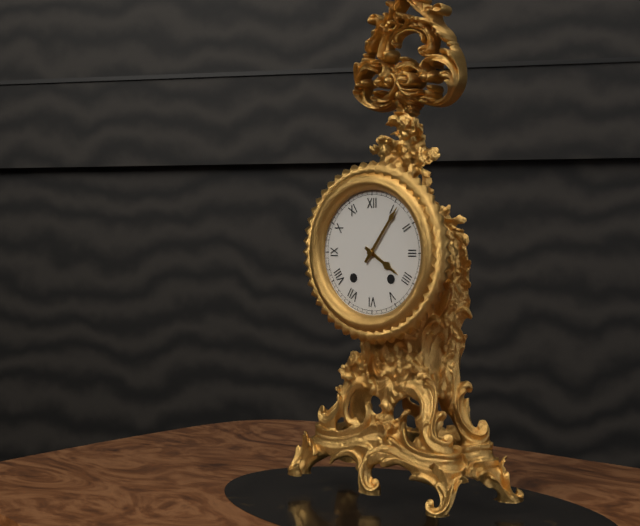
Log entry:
4h06
